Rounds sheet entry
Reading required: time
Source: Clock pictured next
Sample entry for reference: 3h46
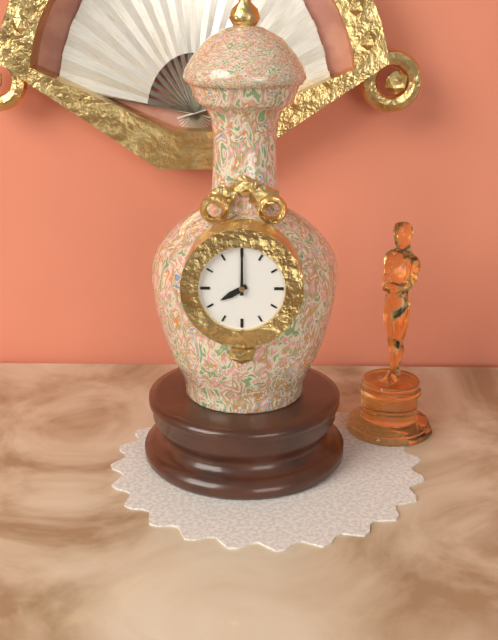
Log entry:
8h00
